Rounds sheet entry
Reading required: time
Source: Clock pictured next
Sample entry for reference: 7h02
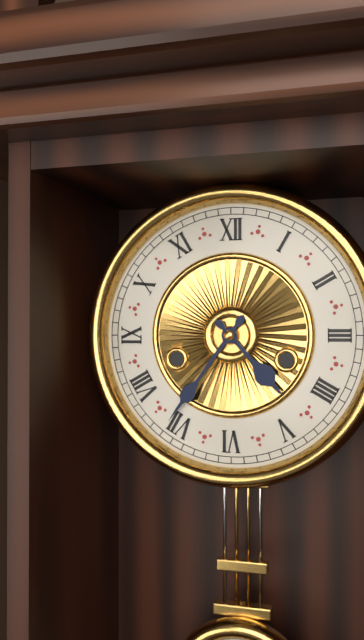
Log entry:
4h36
